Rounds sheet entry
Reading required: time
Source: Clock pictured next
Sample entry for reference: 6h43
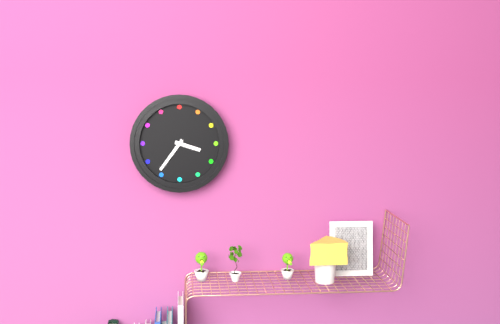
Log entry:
3h36
